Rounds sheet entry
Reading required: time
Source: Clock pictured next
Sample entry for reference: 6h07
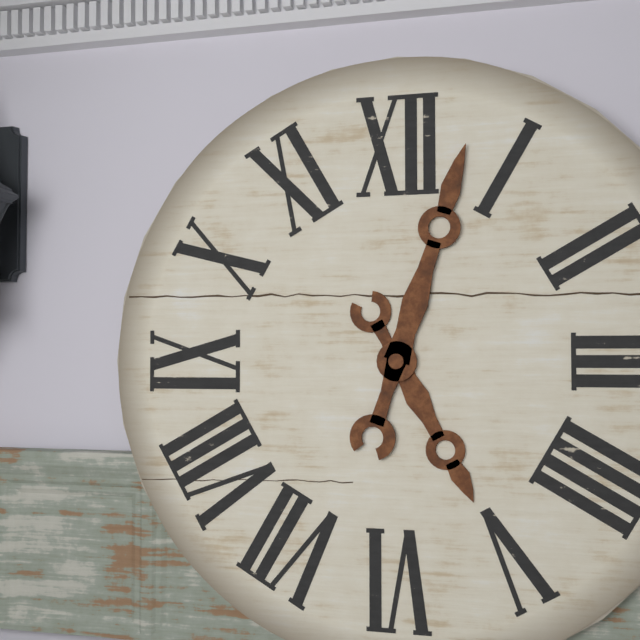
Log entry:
5h03
